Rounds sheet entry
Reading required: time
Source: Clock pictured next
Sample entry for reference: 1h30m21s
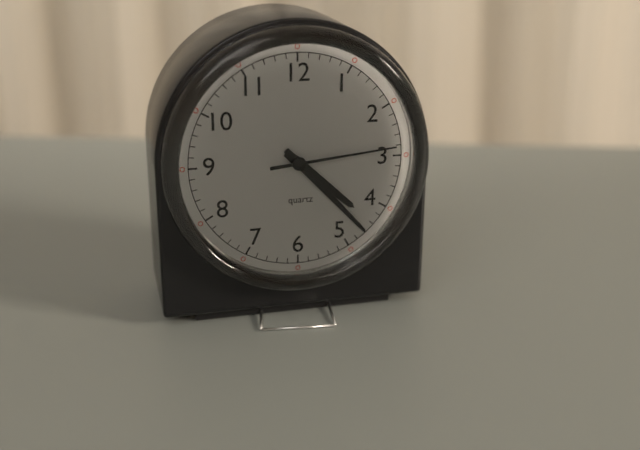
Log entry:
4h23m14s
